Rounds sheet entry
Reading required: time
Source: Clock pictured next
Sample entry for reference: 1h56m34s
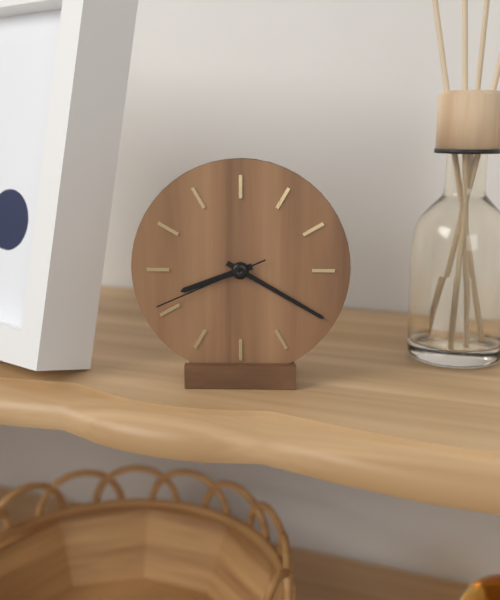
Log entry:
8h20m41s
